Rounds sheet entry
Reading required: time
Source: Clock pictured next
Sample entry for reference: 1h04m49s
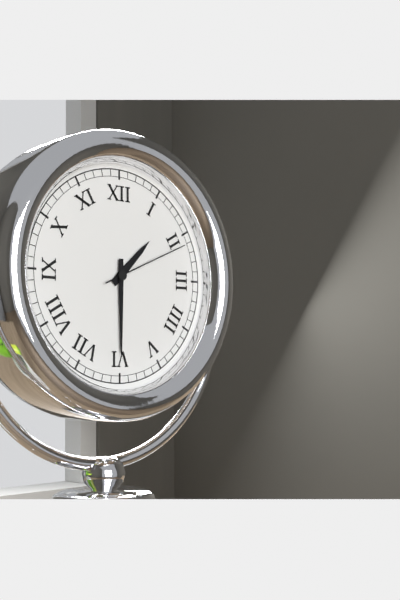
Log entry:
1h30m11s
